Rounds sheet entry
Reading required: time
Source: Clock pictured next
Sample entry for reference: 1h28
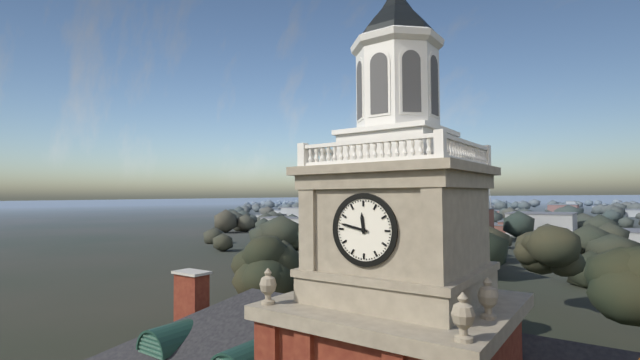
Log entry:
11h47
